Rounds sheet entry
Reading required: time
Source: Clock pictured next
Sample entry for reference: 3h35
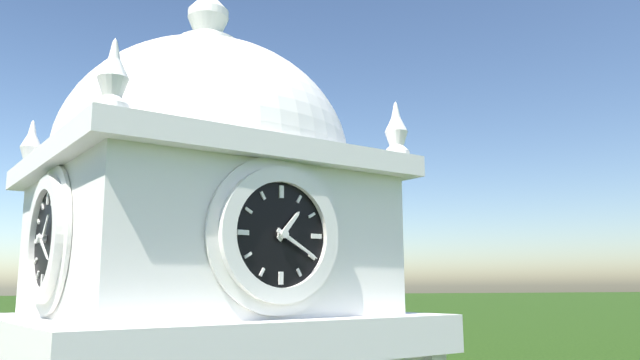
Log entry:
1h20
